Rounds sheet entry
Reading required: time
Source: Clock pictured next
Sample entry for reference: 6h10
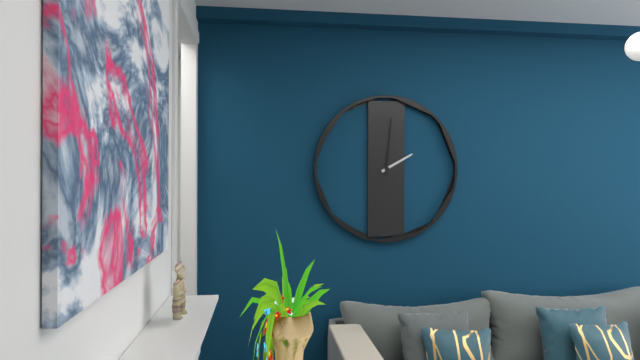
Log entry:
2h01
